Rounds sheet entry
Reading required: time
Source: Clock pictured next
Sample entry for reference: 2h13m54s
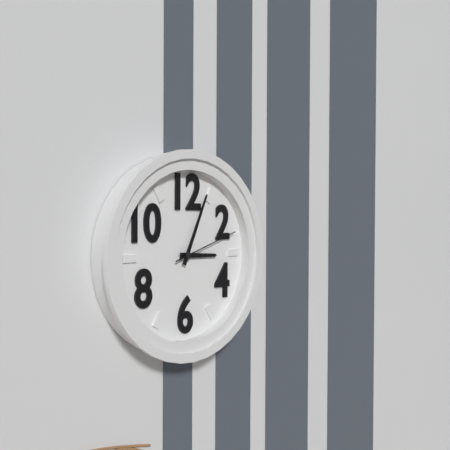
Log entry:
3h04m12s
